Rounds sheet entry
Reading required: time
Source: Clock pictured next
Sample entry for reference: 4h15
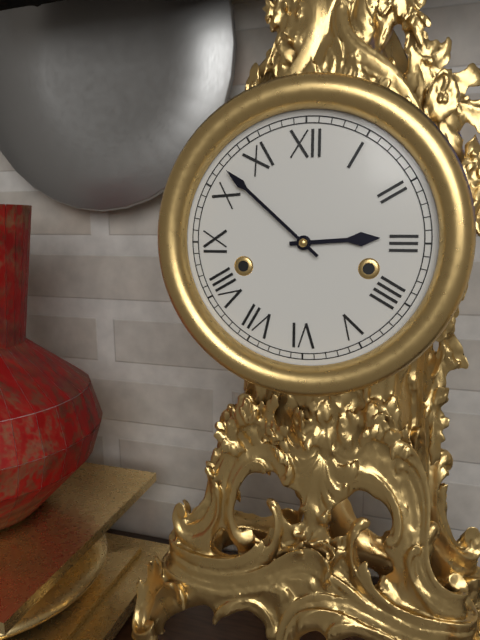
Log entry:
2h52
